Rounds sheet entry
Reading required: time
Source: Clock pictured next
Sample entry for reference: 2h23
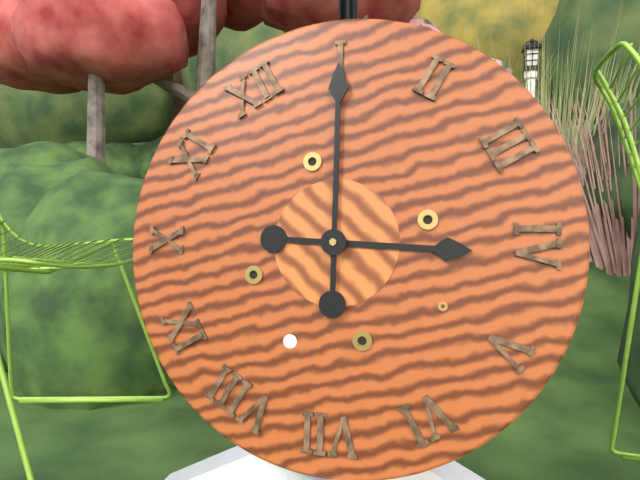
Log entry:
4h05
